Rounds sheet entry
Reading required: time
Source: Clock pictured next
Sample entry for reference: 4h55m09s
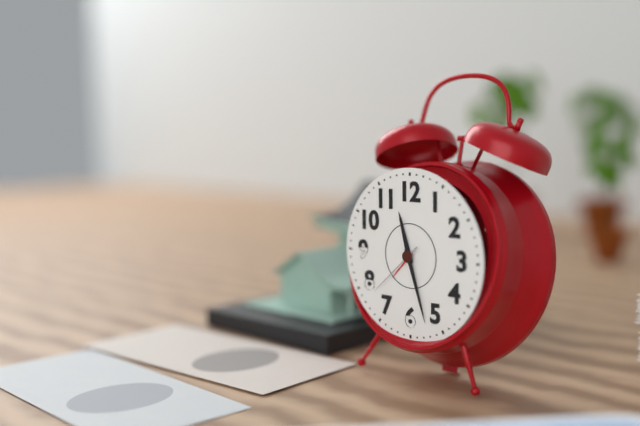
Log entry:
11h27m38s
